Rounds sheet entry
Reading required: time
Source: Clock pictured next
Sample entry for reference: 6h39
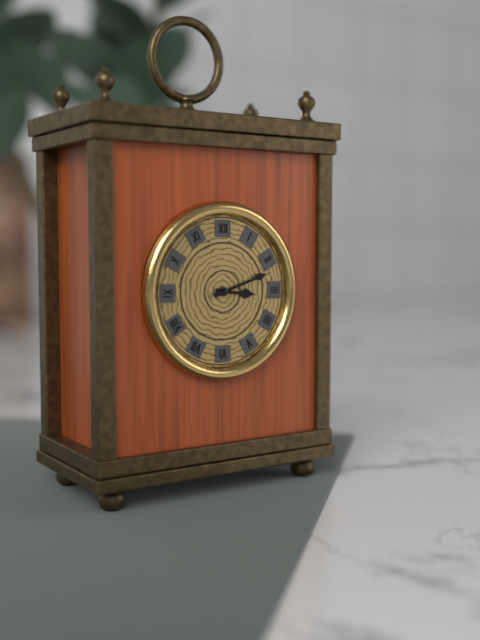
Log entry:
3h12
